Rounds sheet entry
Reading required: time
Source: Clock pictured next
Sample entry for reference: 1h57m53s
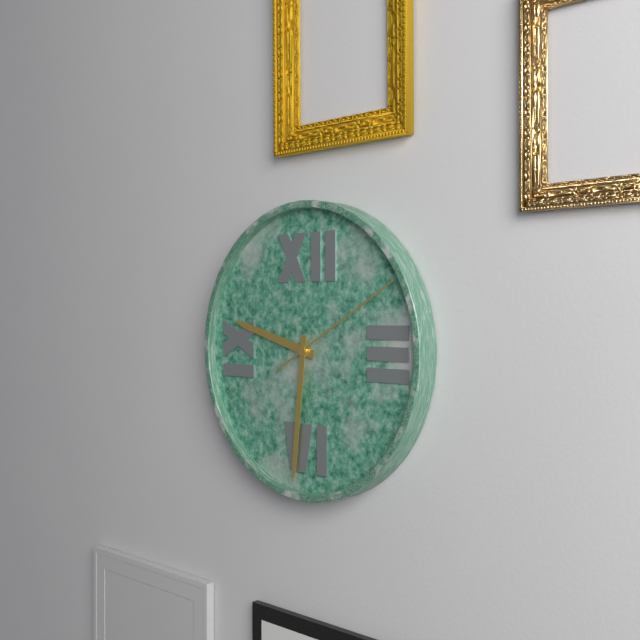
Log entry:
9h31m10s
